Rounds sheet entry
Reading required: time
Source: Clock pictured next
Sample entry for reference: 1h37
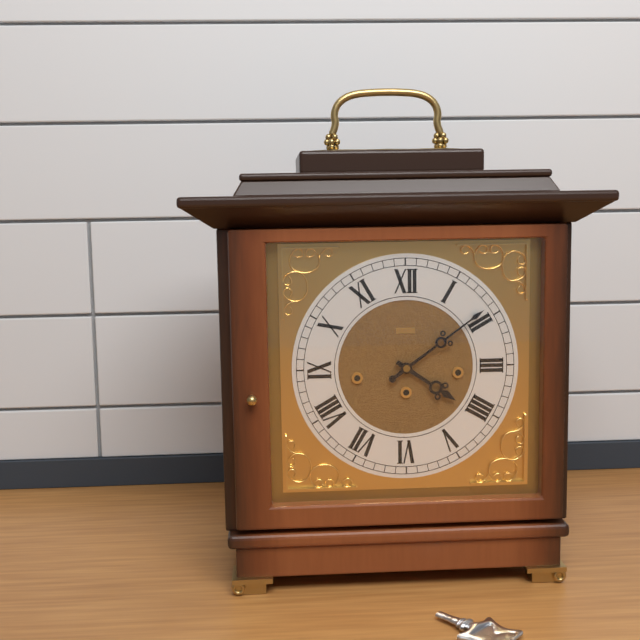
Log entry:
4h09
